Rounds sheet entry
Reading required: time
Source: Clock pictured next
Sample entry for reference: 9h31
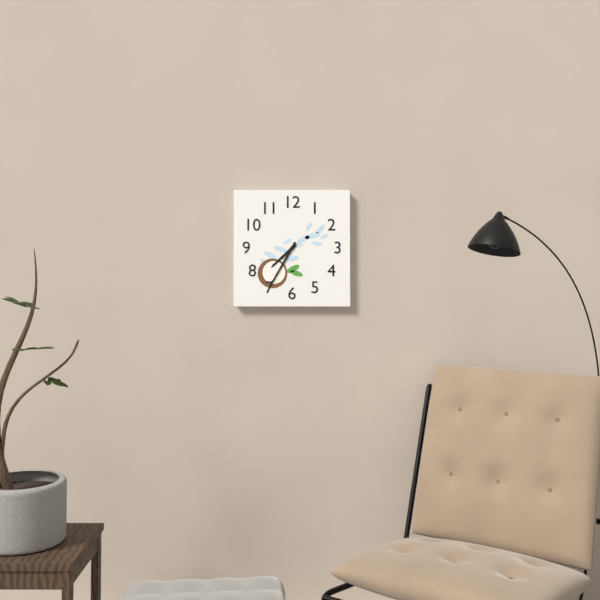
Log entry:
7h35
